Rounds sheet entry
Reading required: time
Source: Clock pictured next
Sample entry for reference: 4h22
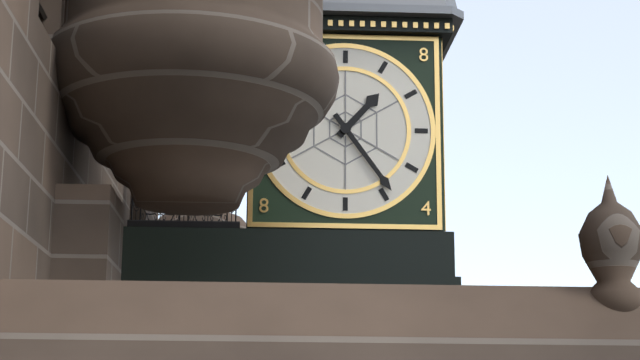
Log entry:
1h24
